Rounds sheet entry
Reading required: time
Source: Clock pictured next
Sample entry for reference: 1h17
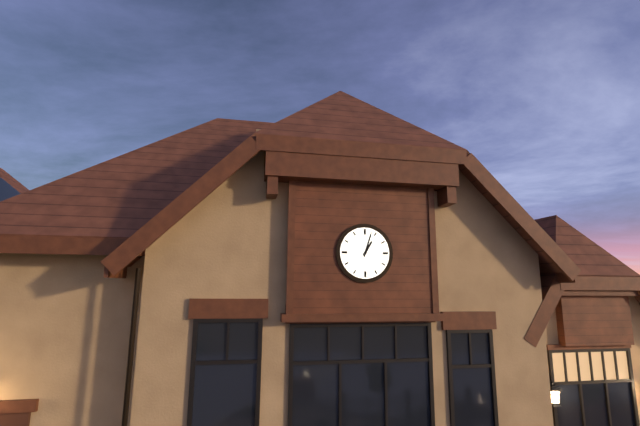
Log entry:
1h03
